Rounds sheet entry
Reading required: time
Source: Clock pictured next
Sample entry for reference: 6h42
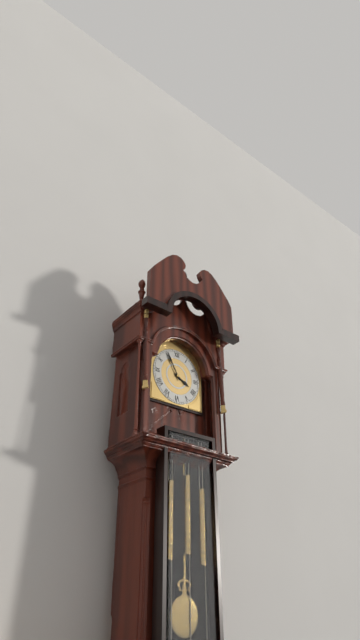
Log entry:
3h55
